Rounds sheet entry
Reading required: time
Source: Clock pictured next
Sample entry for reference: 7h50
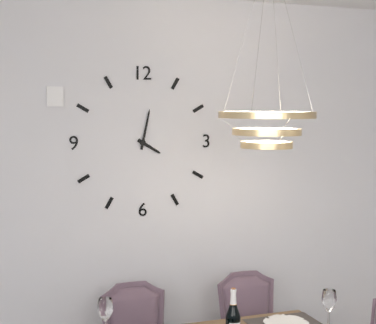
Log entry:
4h02
